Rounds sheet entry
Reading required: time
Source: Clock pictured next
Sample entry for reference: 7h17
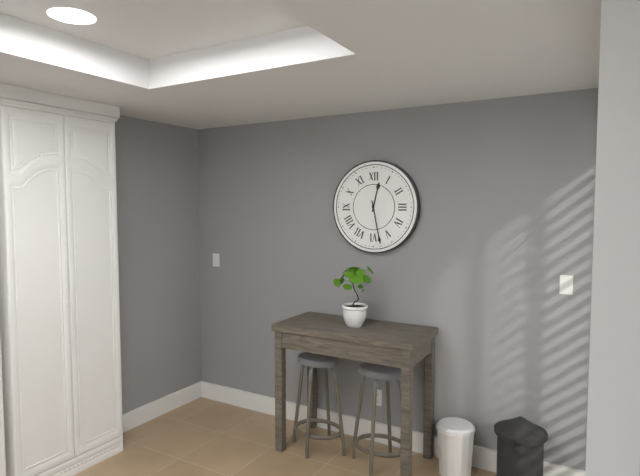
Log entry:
12h28
